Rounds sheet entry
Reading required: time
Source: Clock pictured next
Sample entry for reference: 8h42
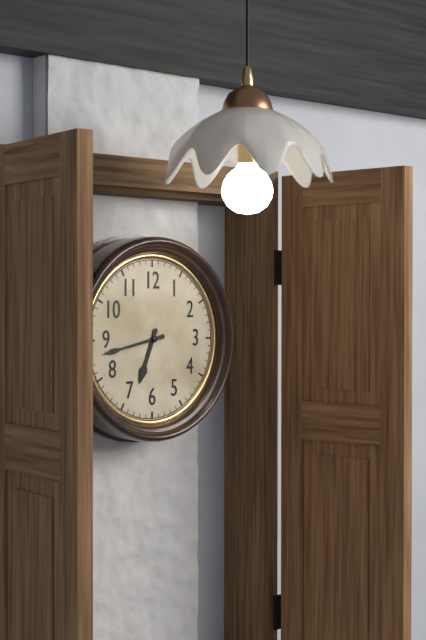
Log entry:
6h43
